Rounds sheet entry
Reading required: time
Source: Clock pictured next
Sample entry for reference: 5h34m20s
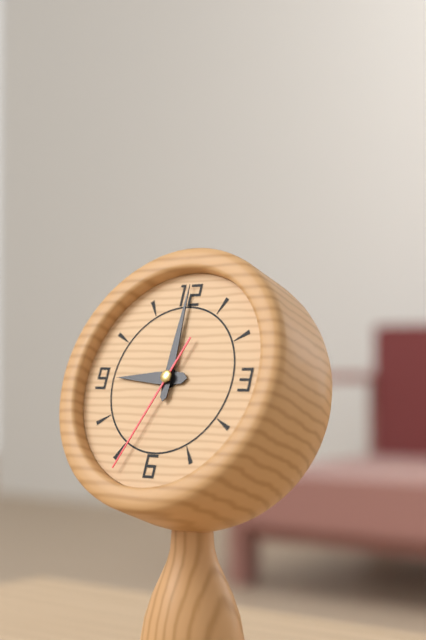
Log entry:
9h00m34s
